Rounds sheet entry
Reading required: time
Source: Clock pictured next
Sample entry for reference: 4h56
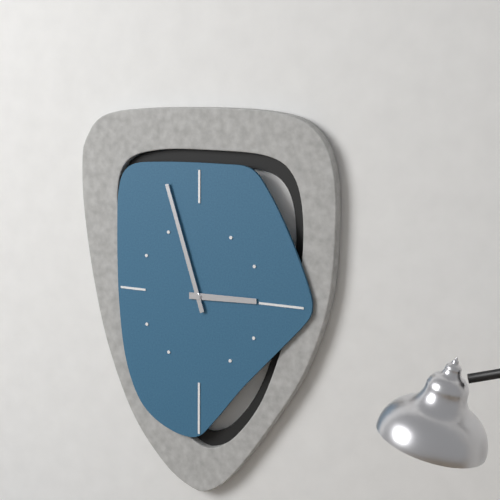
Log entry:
2h57
